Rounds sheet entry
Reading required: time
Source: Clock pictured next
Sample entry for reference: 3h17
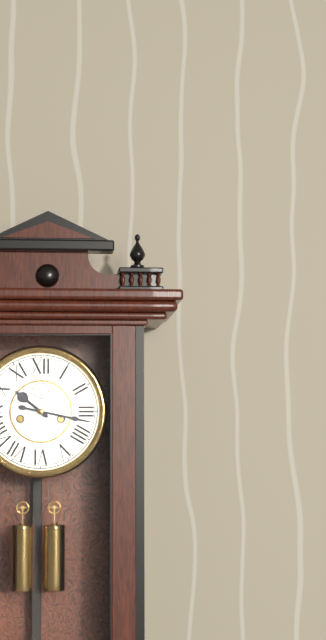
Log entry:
10h17
